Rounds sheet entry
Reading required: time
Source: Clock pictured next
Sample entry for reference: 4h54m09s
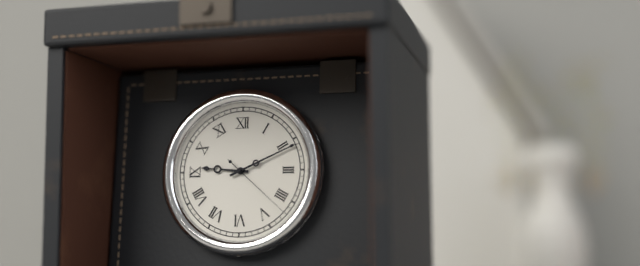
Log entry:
9h11m22s
